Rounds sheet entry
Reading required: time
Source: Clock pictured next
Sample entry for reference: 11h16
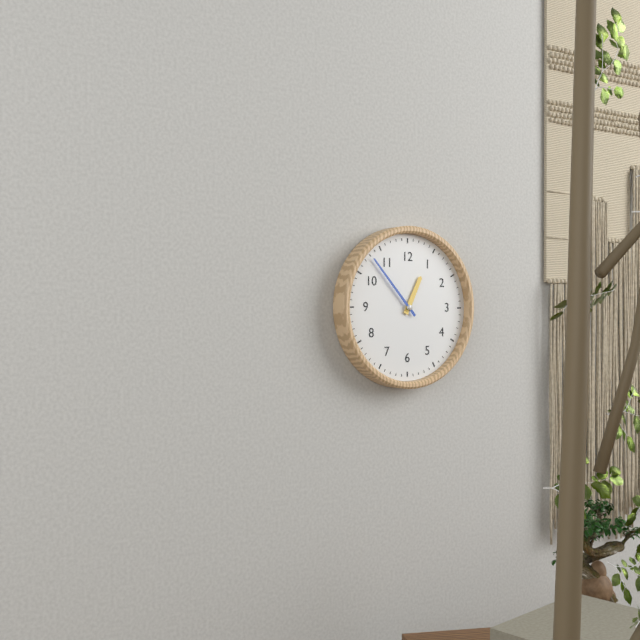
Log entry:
12h53
